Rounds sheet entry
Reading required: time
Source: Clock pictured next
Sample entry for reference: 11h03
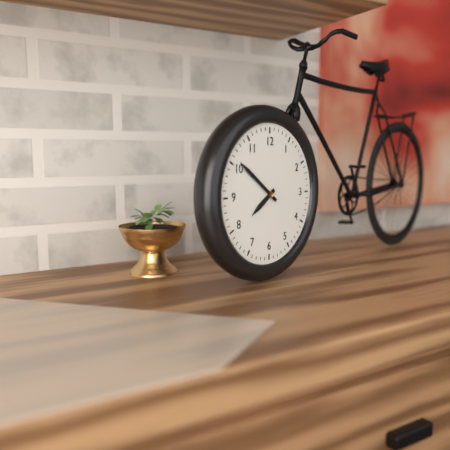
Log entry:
7h51
